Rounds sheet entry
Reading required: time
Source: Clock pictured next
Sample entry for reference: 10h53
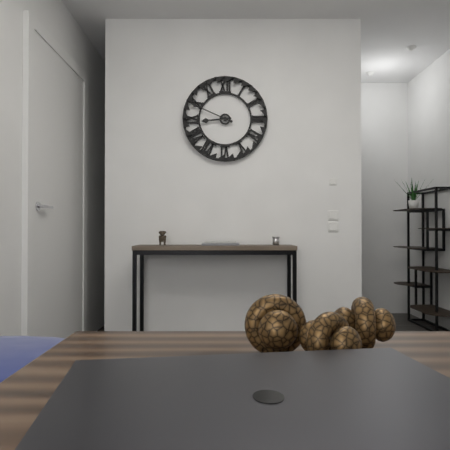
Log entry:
8h49
